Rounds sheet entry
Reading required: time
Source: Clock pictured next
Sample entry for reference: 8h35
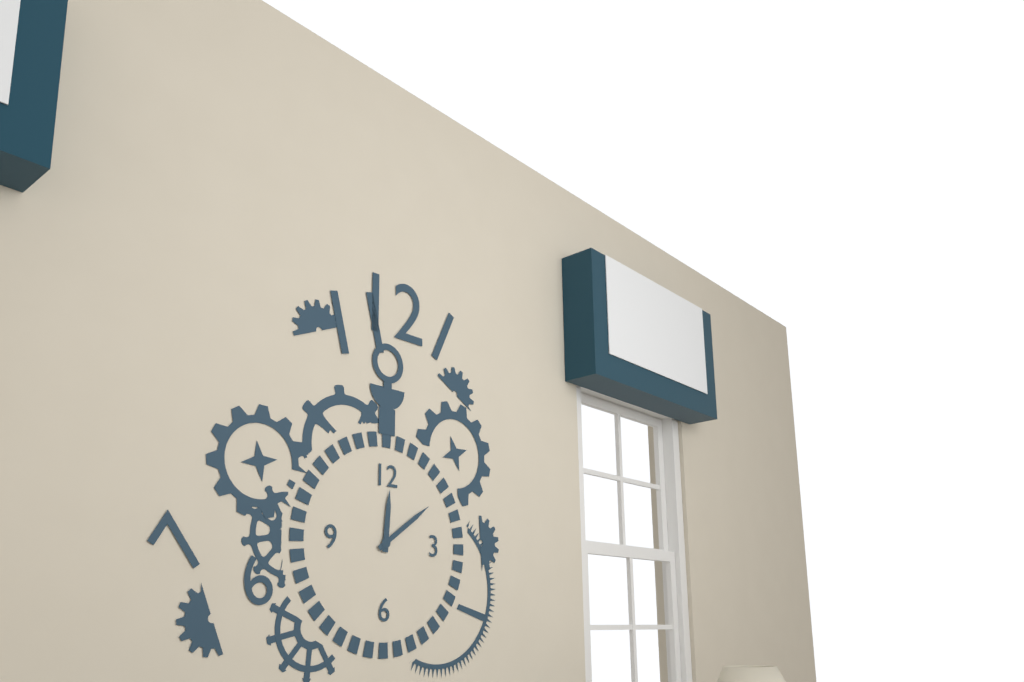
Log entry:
12h09
